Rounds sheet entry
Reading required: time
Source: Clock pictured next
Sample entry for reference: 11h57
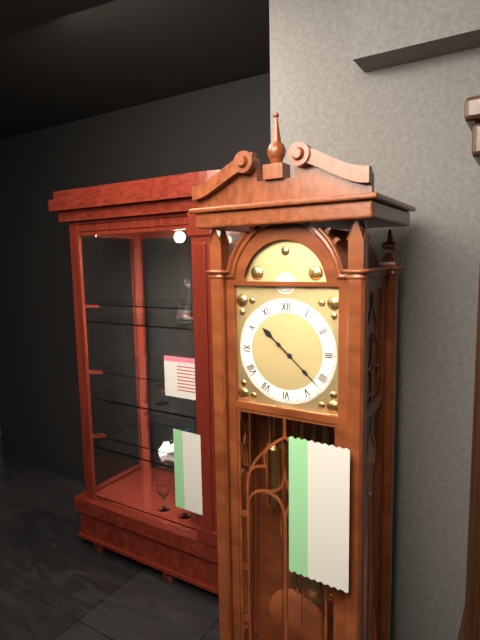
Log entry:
10h22
